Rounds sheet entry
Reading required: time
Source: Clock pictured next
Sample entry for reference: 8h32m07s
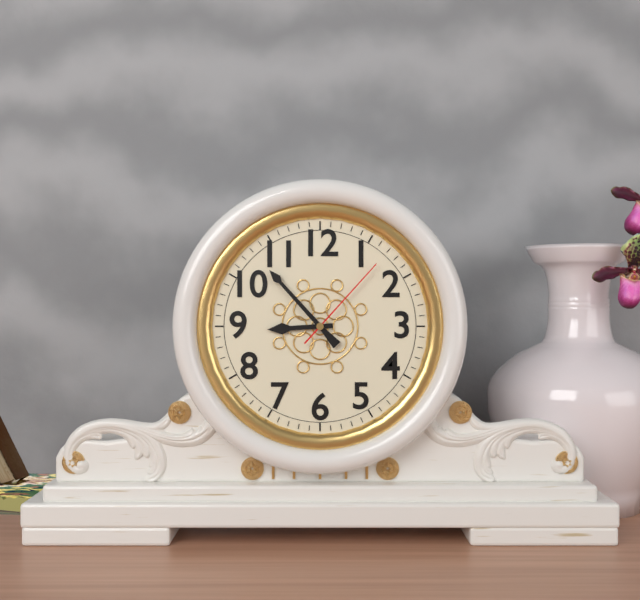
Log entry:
8h53m07s
